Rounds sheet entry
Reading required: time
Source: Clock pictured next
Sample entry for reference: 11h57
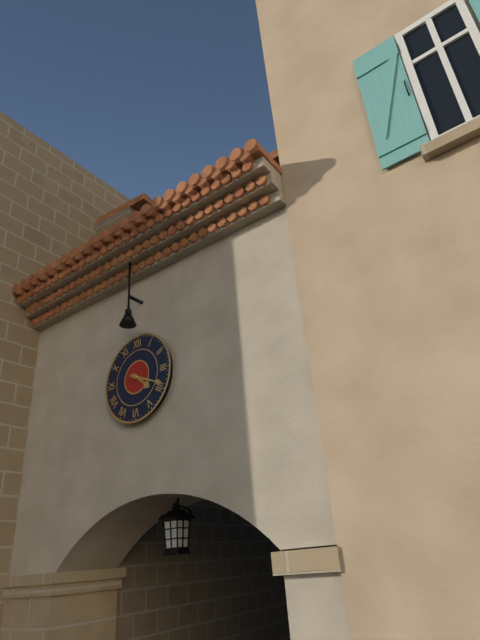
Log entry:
4h19
